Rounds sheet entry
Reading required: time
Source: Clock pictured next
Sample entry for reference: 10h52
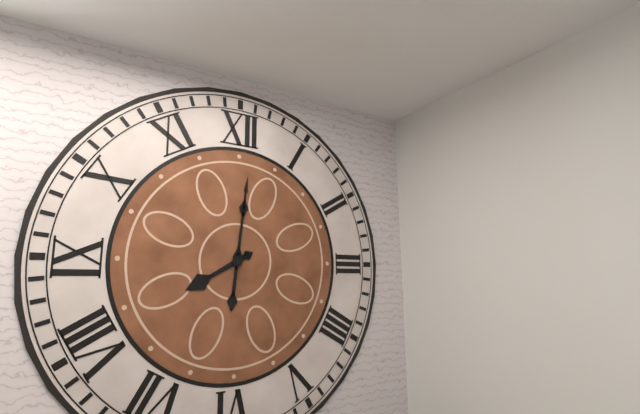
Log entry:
8h01
